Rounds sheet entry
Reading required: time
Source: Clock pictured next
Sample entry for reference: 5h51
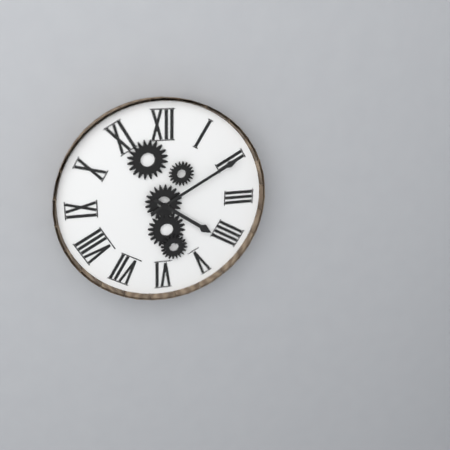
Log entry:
4h10
